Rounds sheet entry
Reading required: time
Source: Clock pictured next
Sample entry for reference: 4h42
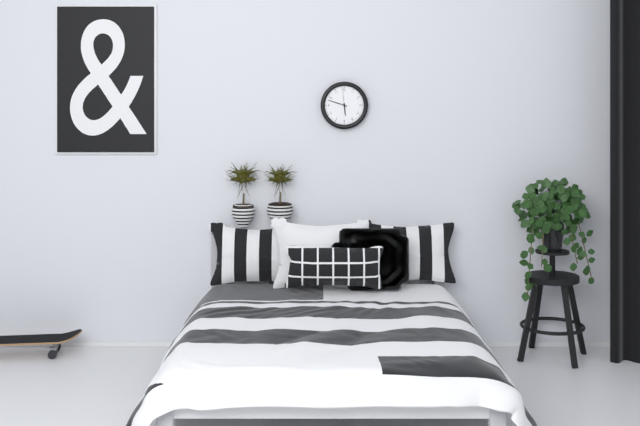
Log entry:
5h48
